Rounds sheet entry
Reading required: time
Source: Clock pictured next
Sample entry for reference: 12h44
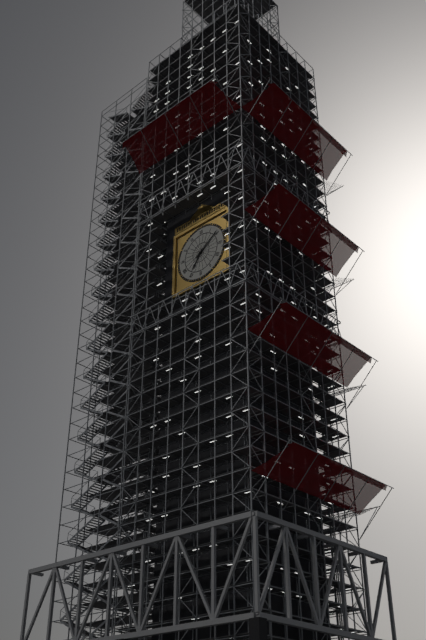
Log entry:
7h09
